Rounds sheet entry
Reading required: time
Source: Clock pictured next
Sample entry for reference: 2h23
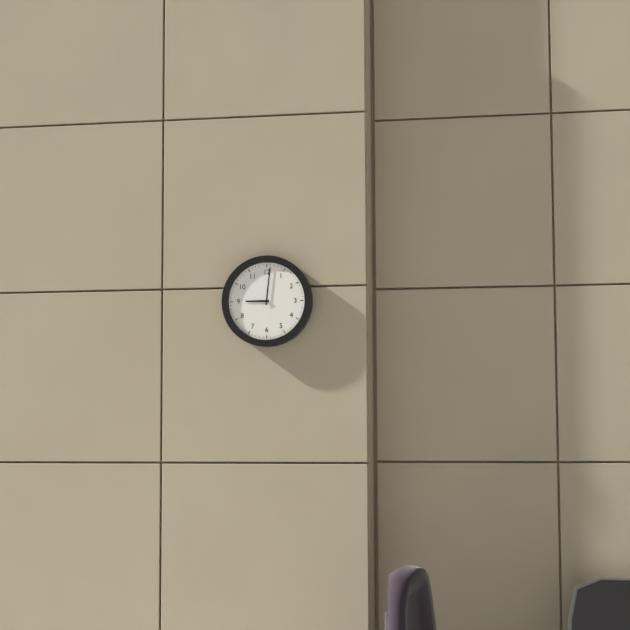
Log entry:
9h01
